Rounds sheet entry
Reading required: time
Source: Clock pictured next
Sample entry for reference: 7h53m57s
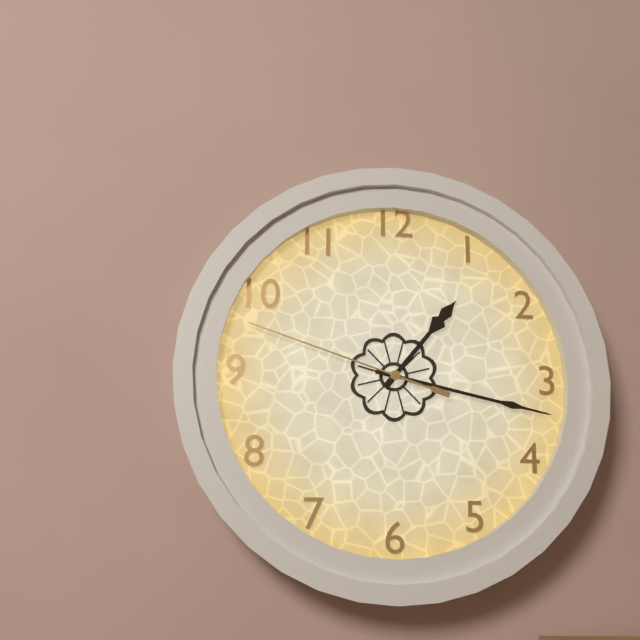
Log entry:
1h17m48s
